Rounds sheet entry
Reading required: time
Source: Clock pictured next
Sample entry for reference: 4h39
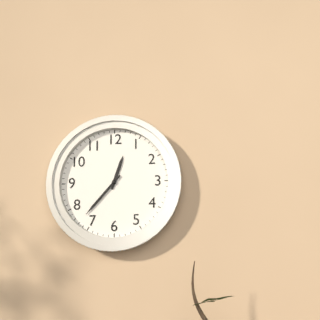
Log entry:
12h37
